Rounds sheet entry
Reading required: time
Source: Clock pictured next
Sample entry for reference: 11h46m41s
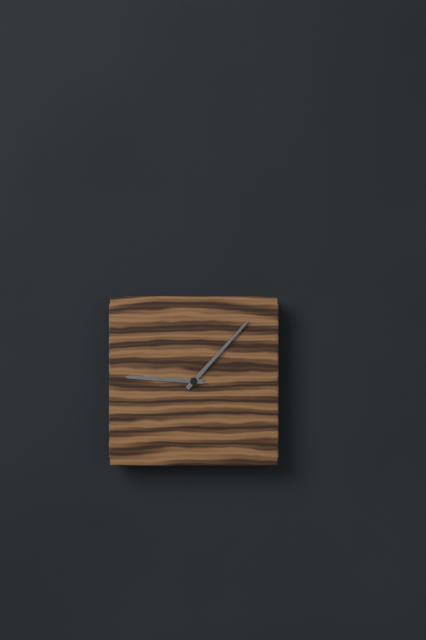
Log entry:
9h07m46s
